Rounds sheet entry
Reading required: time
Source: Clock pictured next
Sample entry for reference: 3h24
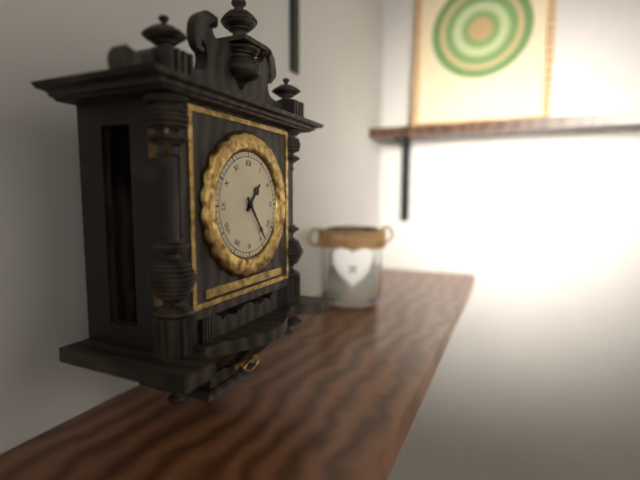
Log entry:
1h24
